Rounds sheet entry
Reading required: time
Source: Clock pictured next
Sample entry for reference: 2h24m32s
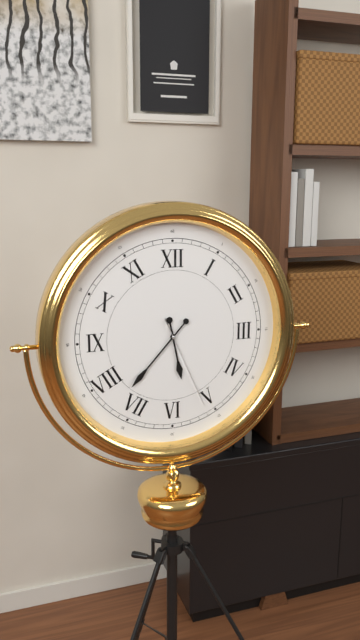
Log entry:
5h37m26s
